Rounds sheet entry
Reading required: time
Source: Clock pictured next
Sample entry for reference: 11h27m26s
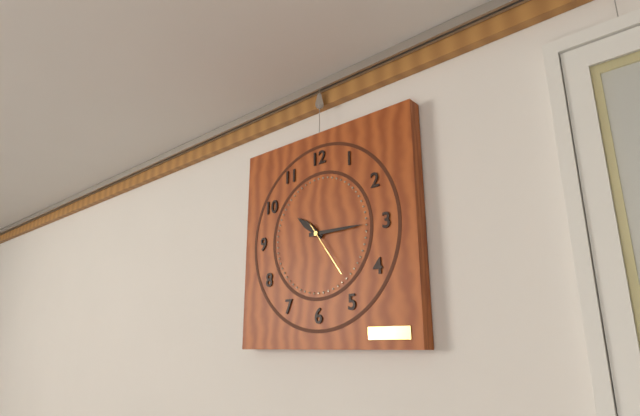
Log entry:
10h15m24s
